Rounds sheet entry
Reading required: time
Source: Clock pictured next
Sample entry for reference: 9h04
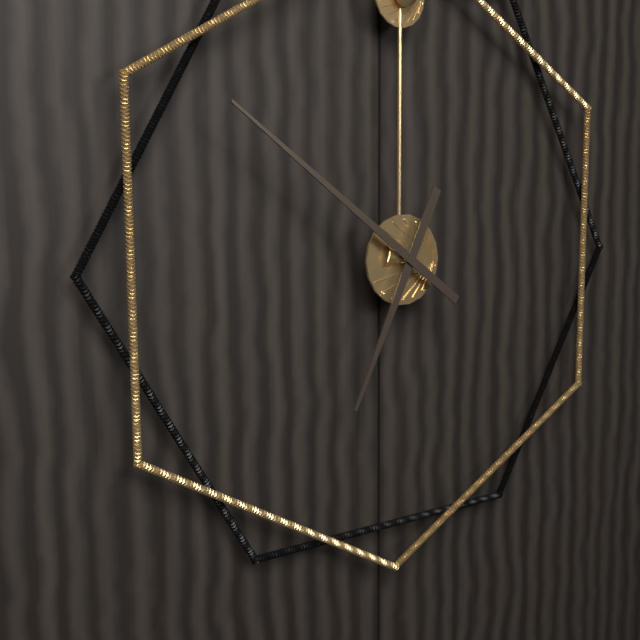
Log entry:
6h51
